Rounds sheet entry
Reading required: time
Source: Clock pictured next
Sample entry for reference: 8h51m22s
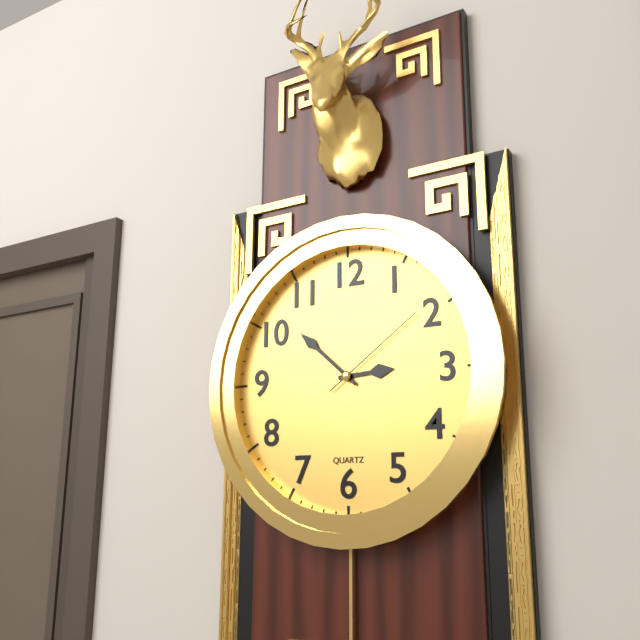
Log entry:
2h52m09s
